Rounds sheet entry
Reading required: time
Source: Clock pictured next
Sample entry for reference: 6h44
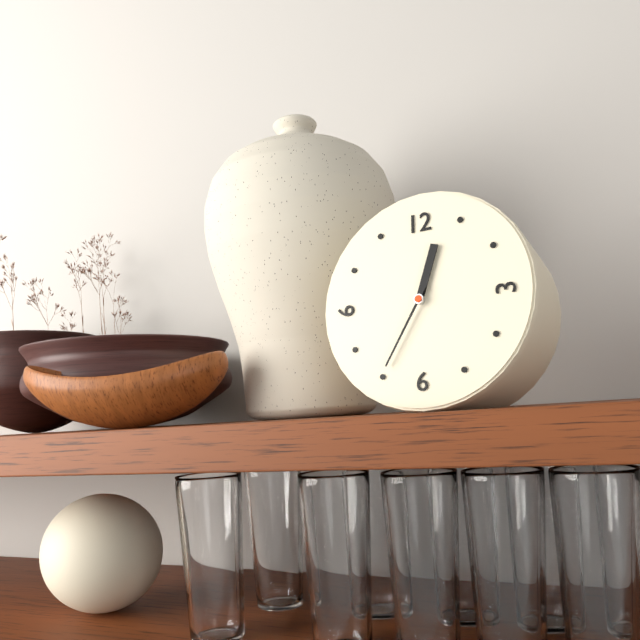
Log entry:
12h35
